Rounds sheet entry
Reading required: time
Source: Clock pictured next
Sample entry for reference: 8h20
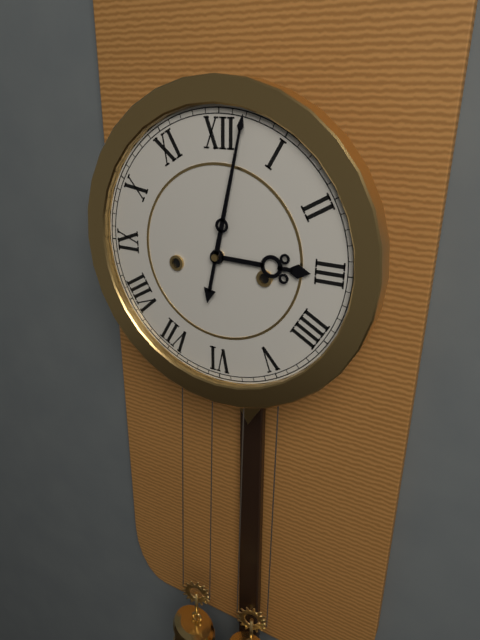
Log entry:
3h02
